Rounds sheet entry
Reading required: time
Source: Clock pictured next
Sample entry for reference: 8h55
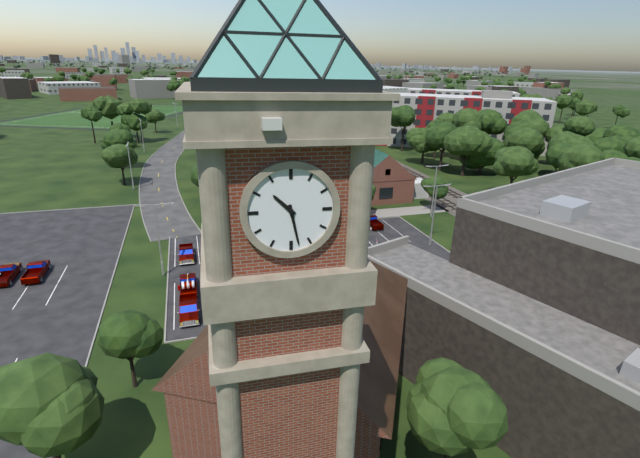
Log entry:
10h28
